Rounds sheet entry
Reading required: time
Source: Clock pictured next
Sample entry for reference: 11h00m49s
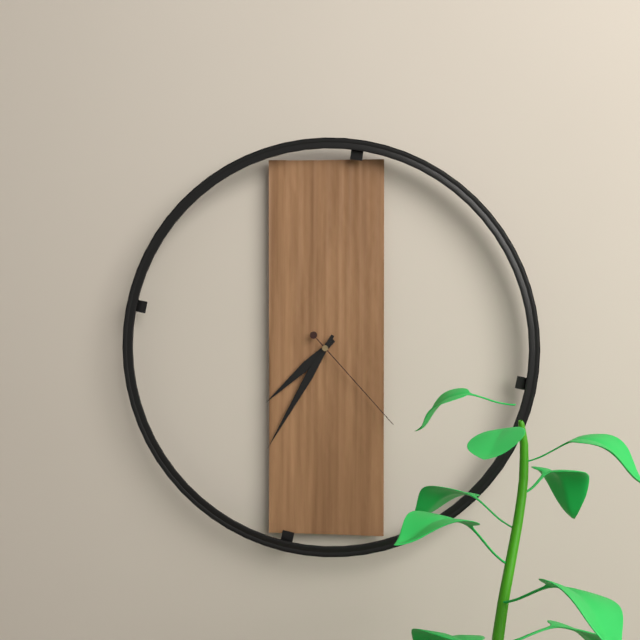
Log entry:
7h35m23s
